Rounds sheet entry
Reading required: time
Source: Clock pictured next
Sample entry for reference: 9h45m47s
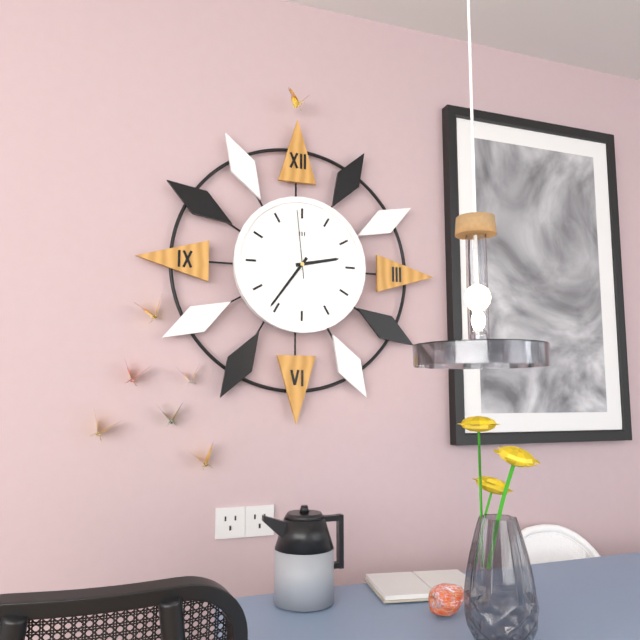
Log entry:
2h36m59s
